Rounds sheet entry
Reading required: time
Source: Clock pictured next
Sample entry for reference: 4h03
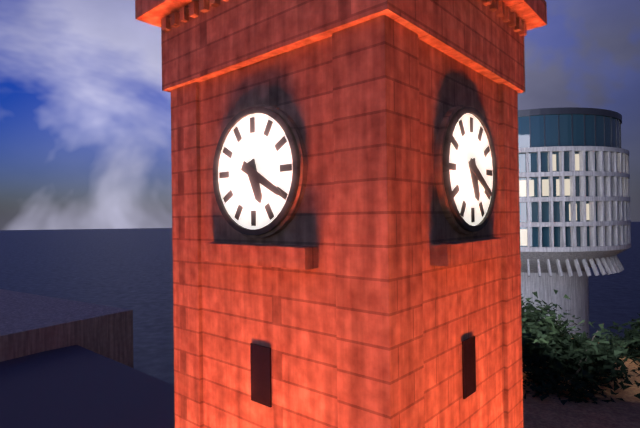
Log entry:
5h20
